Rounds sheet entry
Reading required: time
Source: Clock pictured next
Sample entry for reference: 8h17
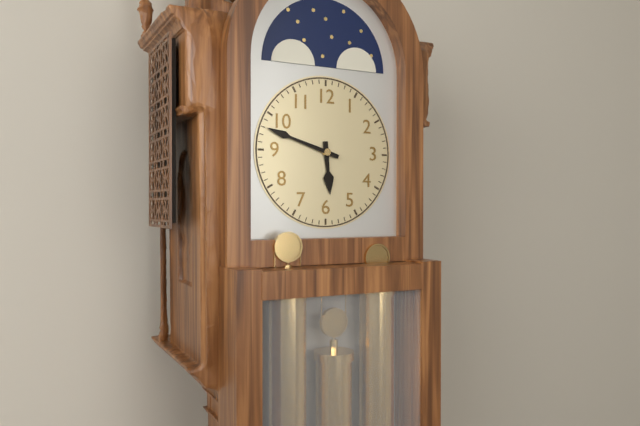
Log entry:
5h48
